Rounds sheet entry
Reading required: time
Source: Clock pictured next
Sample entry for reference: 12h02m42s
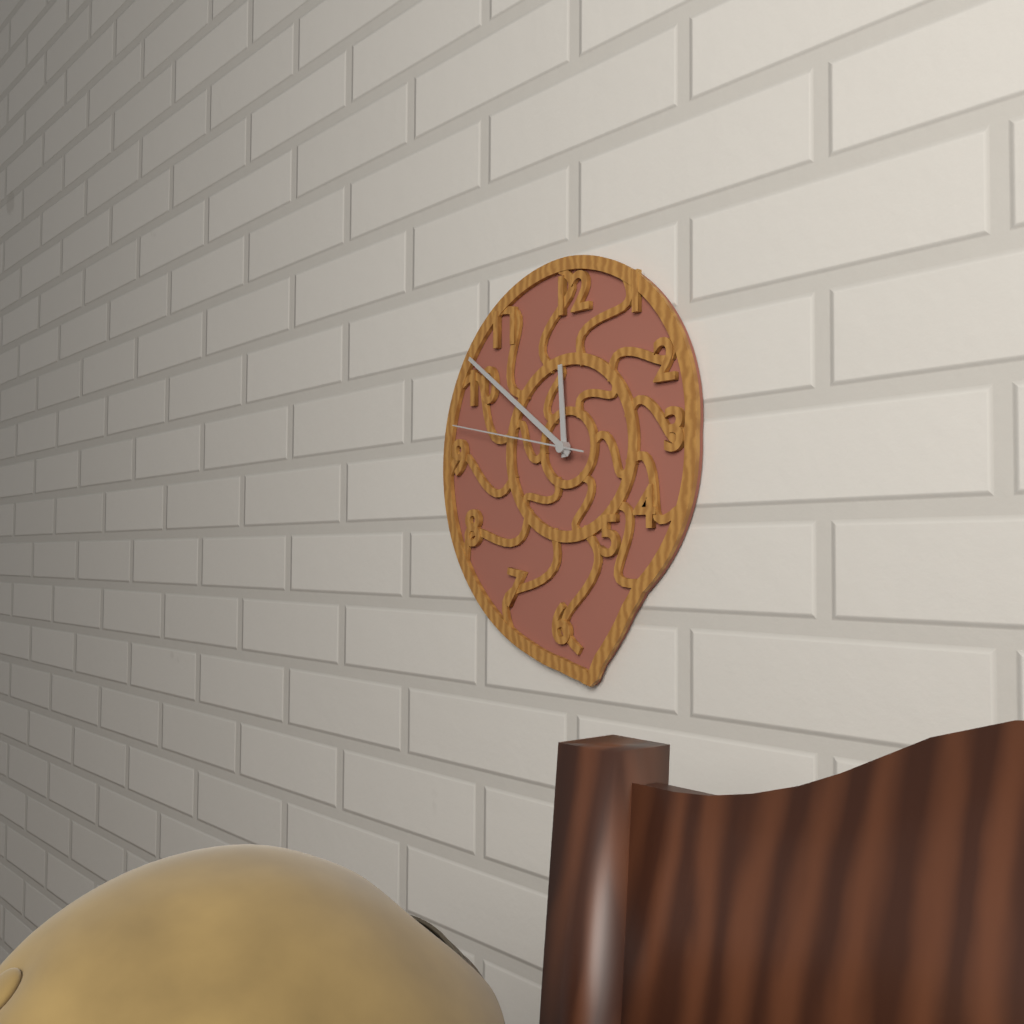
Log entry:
11h51m47s
